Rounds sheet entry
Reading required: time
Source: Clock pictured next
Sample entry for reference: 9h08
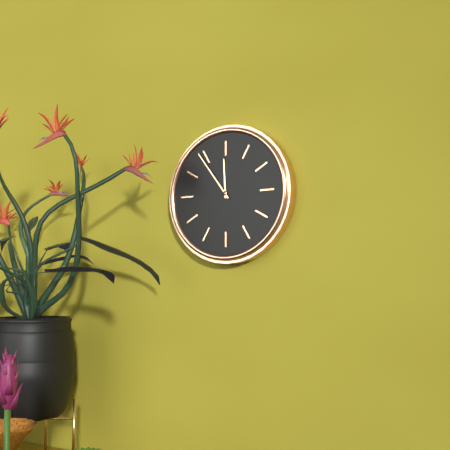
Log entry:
11h54
